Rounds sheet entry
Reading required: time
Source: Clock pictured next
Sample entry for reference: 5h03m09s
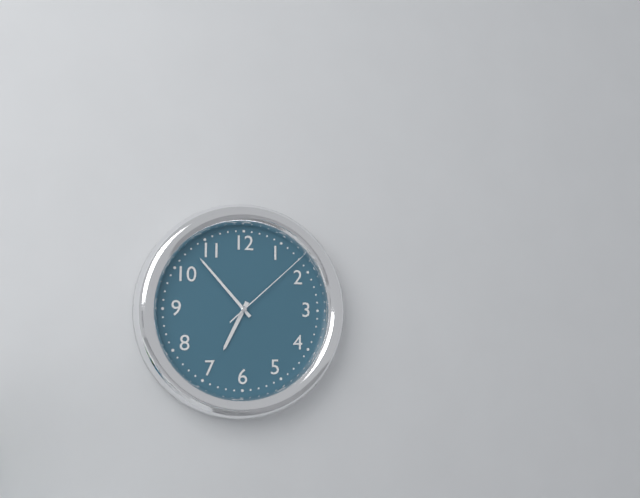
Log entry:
6h53m08s
